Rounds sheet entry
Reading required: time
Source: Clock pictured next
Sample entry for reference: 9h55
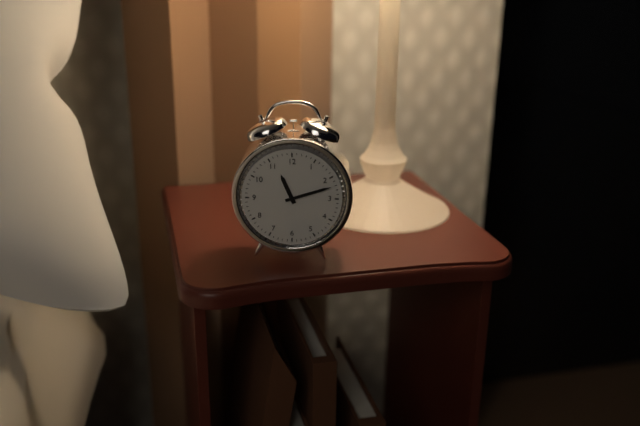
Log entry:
11h12
